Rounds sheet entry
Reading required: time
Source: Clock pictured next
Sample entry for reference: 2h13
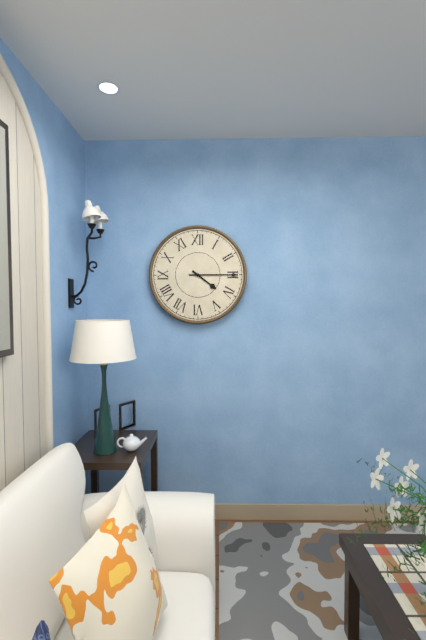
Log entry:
4h15
